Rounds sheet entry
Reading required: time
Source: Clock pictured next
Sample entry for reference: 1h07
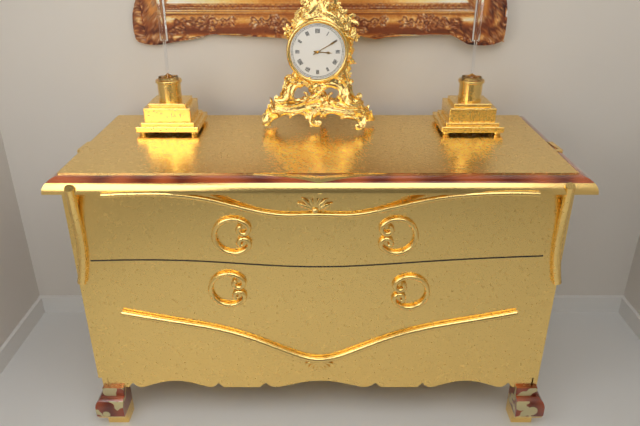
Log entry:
3h10
